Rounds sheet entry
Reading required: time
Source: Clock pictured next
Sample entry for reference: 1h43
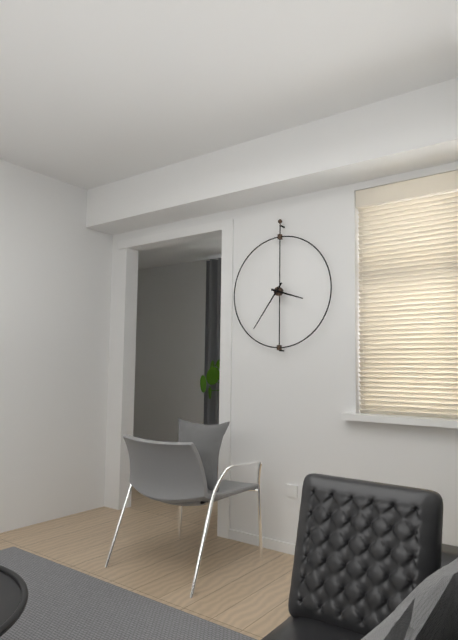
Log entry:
3h36
